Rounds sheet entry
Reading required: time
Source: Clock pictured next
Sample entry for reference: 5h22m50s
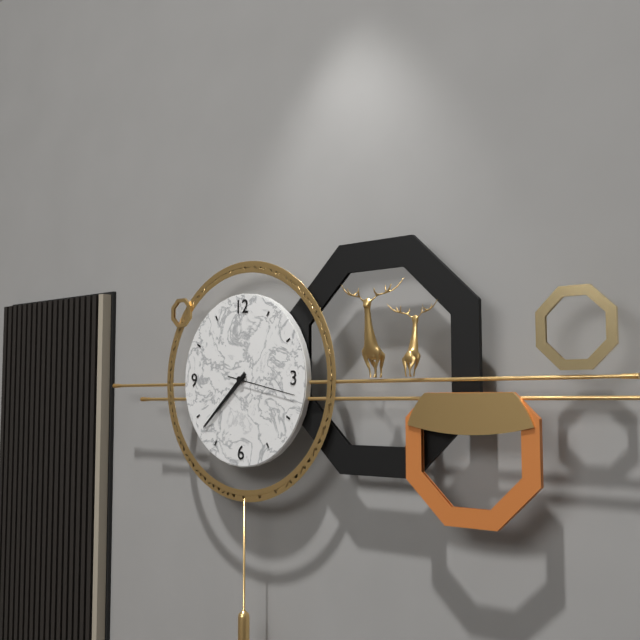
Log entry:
7h38m17s
